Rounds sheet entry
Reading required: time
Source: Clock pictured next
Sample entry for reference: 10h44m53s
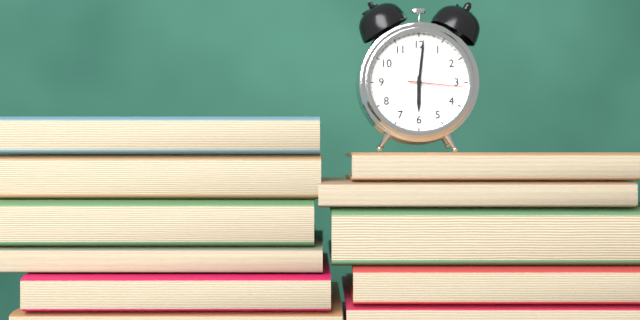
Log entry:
6h01m16s
